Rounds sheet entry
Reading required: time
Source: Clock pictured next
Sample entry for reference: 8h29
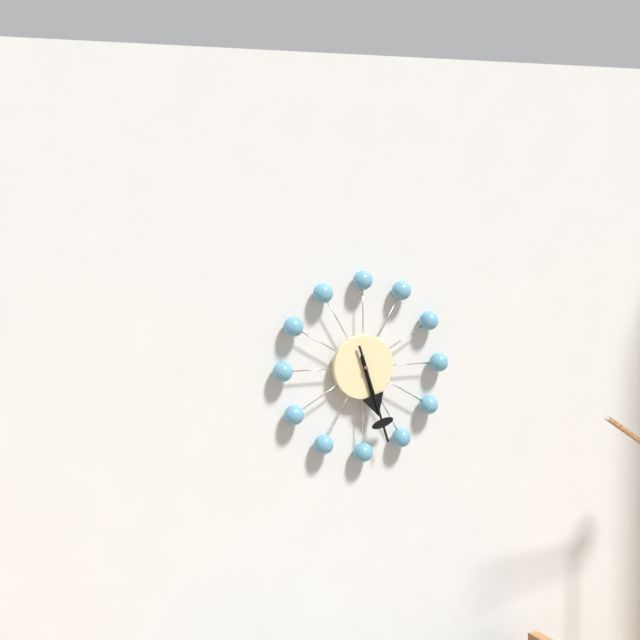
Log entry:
5h27
